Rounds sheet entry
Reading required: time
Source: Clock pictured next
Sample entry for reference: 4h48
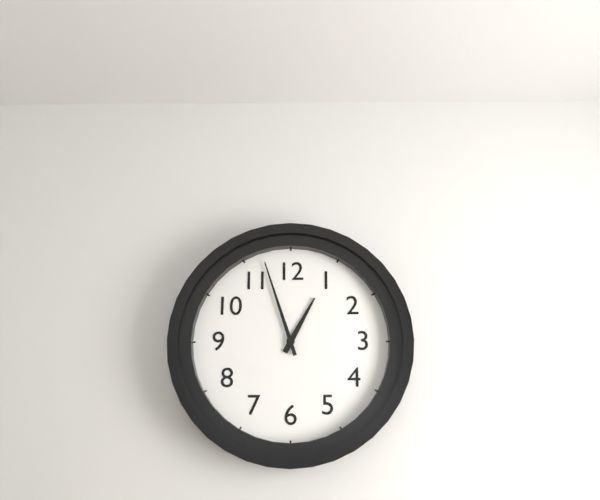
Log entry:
12h57
